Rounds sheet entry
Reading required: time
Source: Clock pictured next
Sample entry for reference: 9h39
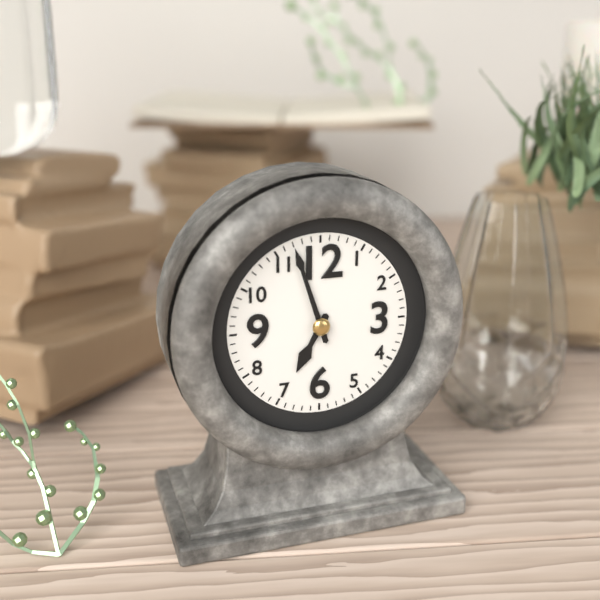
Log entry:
6h57
